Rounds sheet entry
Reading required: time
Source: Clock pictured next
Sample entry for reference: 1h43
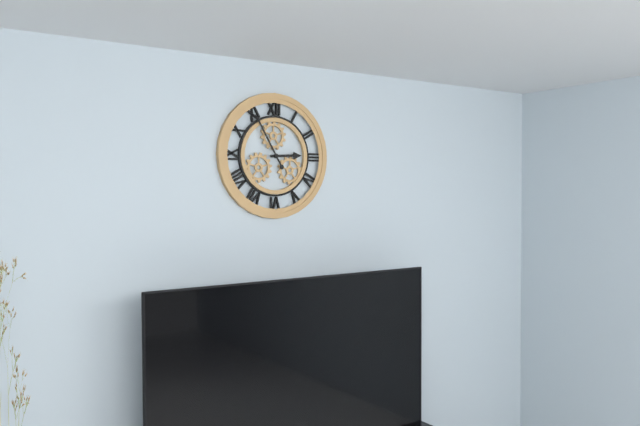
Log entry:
2h55
